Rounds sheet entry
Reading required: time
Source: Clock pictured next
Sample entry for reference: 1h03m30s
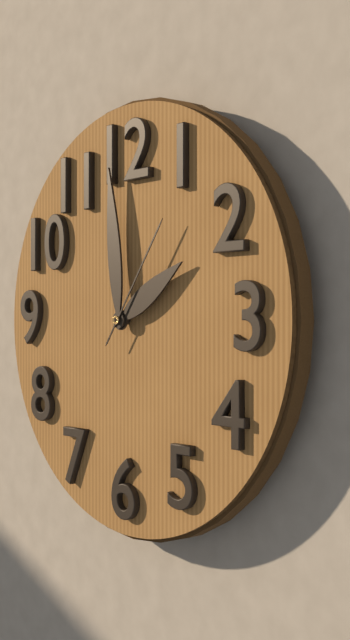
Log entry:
1h59m06s
